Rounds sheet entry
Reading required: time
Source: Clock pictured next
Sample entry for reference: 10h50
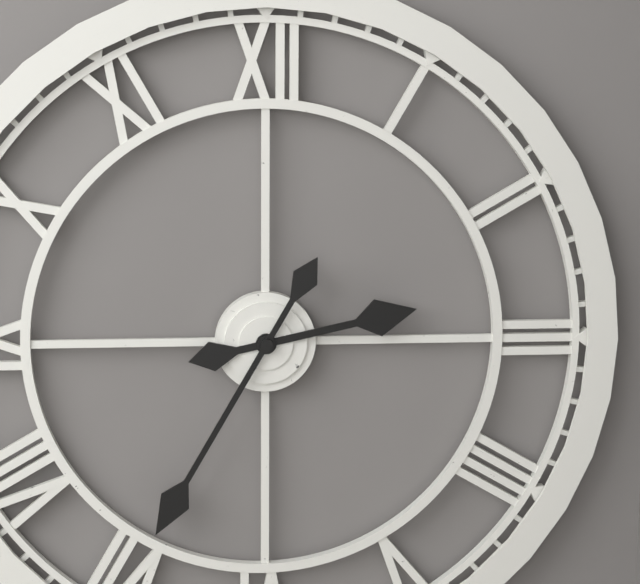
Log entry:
2h35
